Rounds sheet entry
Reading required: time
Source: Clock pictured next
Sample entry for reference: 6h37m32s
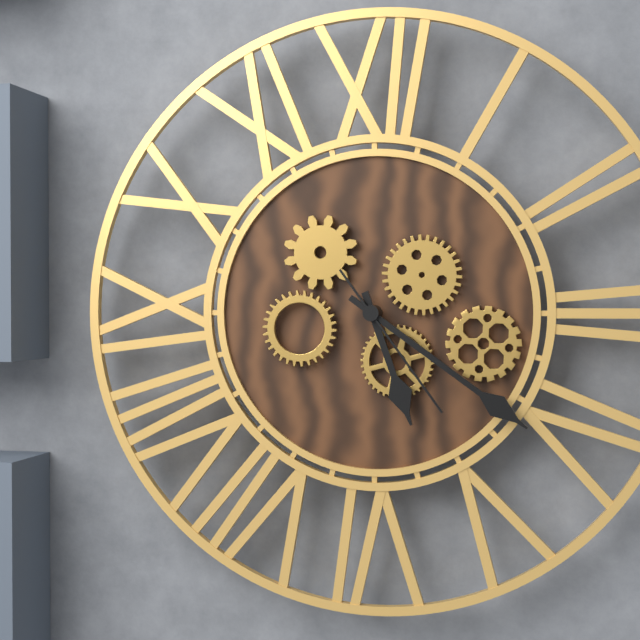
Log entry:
5h21m24s
